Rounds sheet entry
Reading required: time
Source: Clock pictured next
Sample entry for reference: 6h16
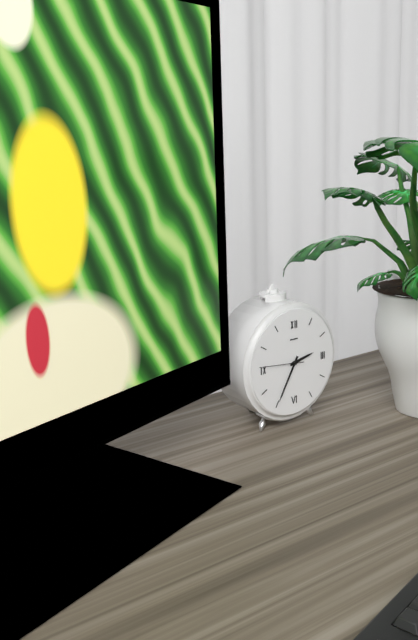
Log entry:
2h35
